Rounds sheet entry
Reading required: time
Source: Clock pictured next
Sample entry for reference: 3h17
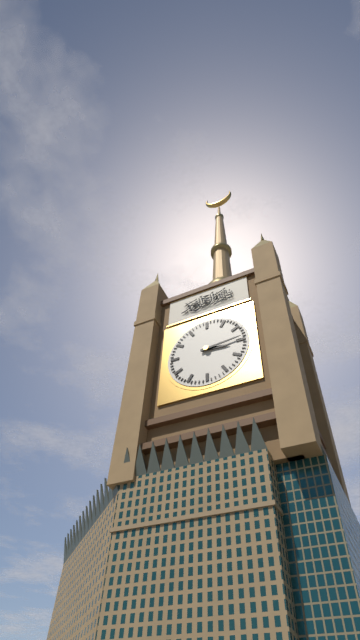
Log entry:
3h14
